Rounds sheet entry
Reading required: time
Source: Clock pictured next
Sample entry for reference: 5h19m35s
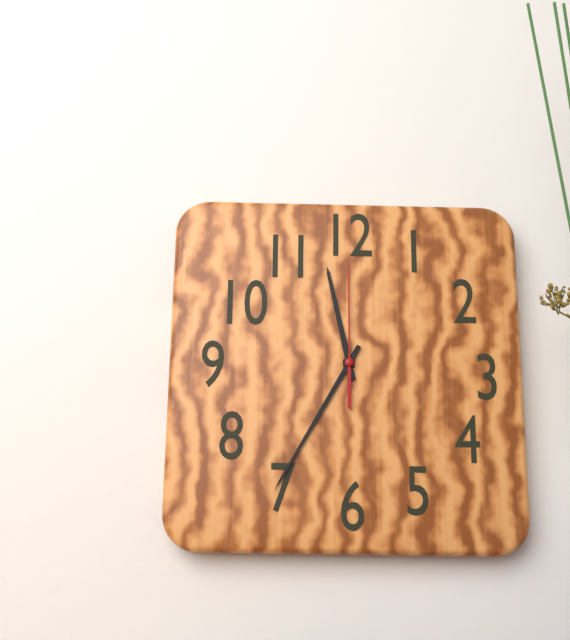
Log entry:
11h35m00s
